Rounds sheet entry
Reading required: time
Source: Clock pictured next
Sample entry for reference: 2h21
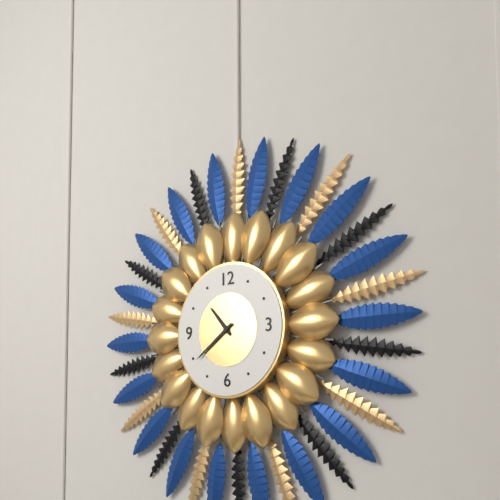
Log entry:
10h39
